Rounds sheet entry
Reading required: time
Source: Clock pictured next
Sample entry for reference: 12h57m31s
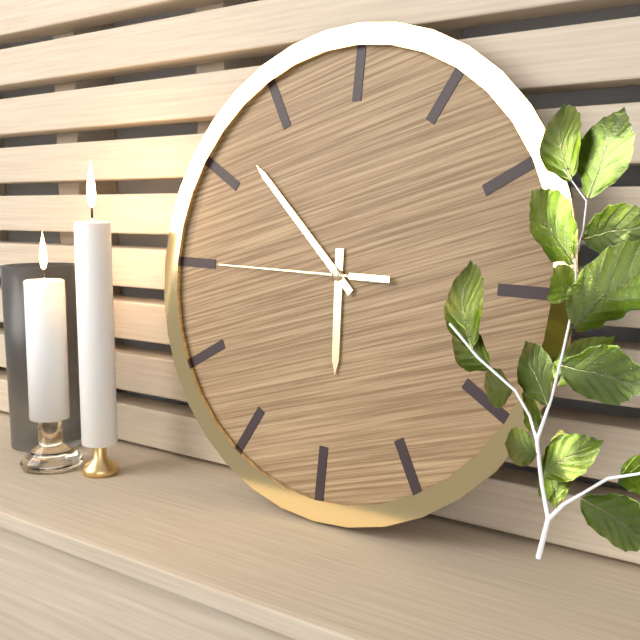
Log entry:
5h52m45s
